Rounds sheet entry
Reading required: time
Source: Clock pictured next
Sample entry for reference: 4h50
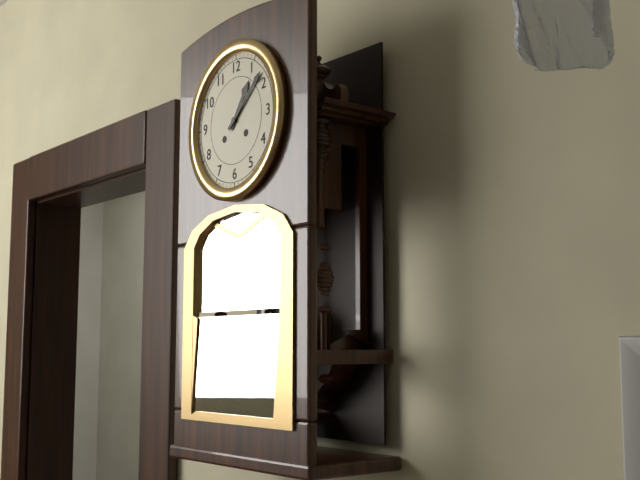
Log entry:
1h08
